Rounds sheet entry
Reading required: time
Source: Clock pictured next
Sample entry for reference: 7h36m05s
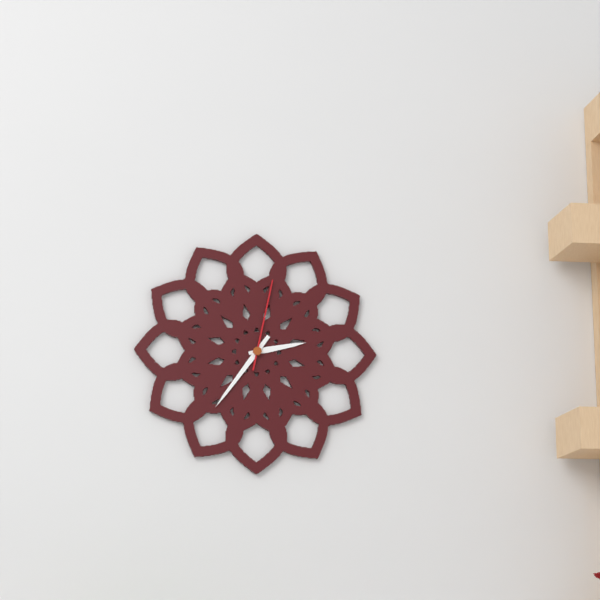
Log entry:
2h36m02s
